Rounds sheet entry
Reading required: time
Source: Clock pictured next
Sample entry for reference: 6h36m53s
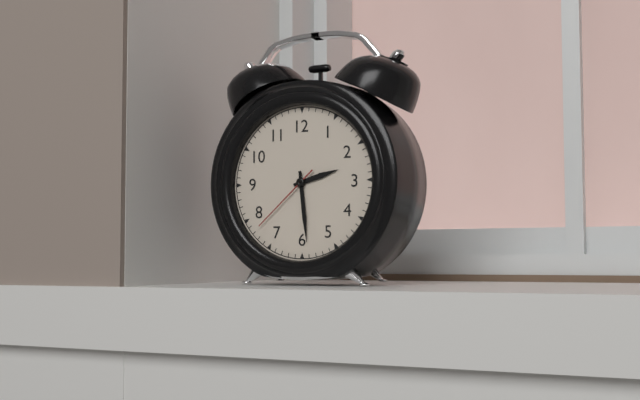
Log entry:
2h29m38s
